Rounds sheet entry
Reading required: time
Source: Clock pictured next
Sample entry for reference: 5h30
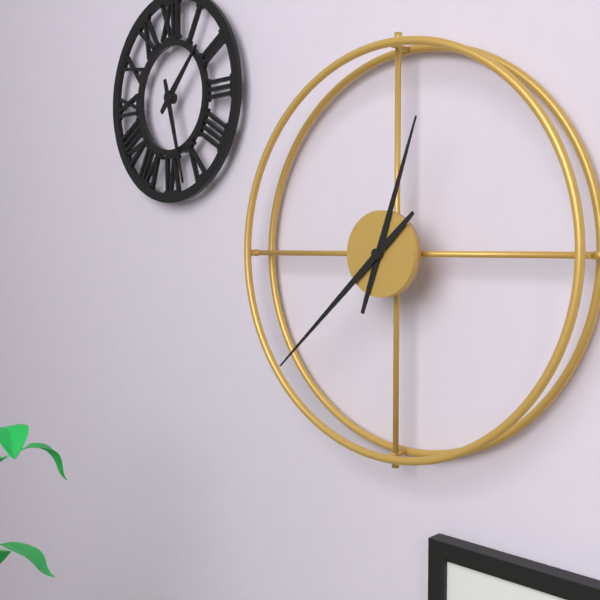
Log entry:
12h38
